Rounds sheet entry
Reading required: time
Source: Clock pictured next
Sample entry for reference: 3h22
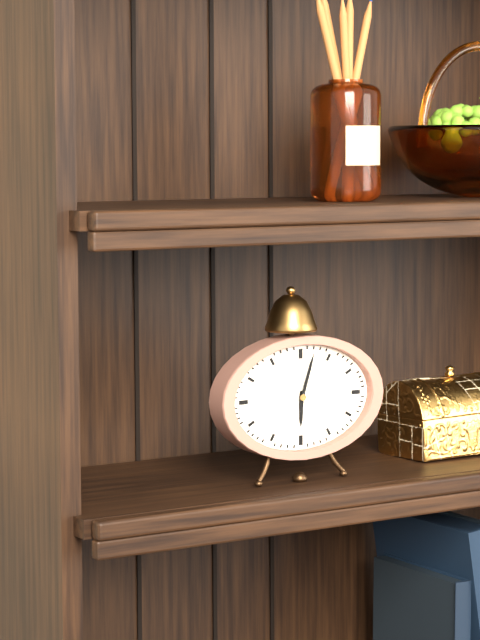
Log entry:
6h03
